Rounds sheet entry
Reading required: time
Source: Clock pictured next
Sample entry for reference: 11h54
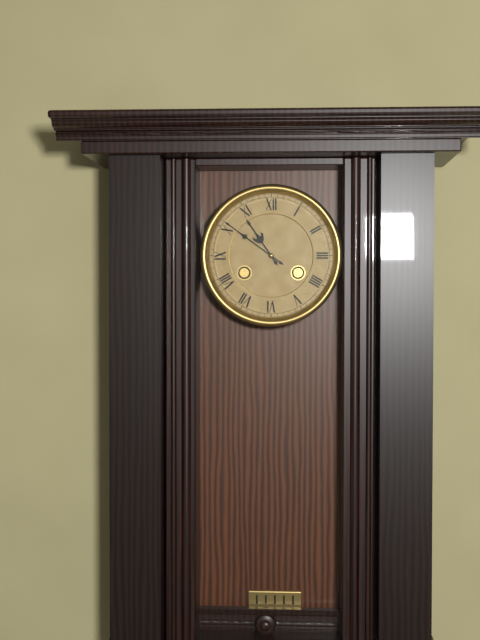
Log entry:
10h51
